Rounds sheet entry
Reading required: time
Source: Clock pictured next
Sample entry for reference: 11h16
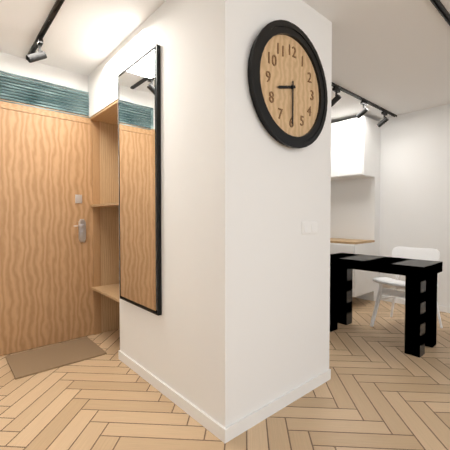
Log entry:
8h30
